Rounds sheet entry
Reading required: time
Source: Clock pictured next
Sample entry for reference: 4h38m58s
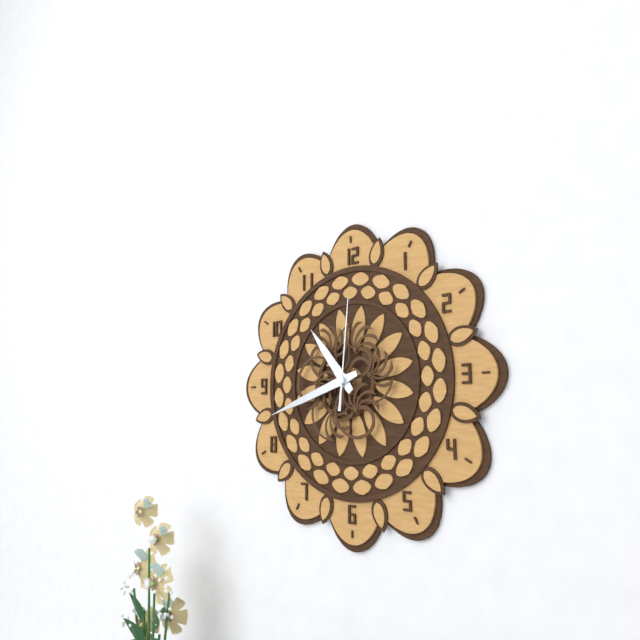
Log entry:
10h42m01s
